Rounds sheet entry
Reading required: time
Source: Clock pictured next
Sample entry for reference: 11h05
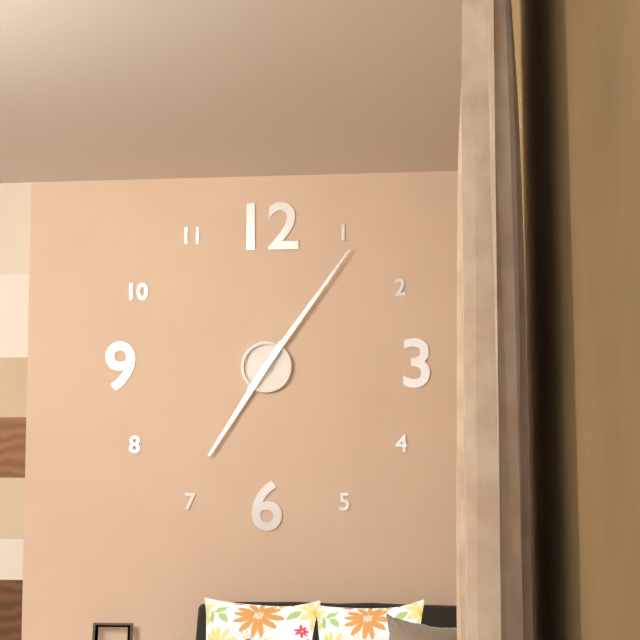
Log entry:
7h06
